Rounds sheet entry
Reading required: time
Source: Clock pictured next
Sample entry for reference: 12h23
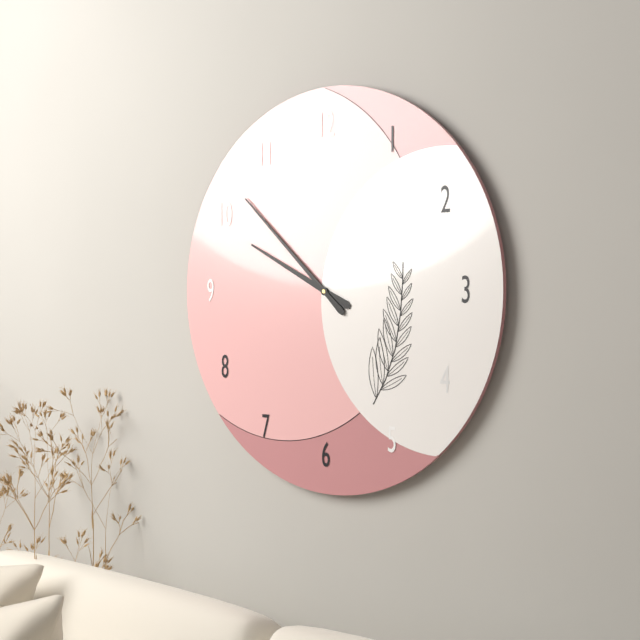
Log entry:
9h52
